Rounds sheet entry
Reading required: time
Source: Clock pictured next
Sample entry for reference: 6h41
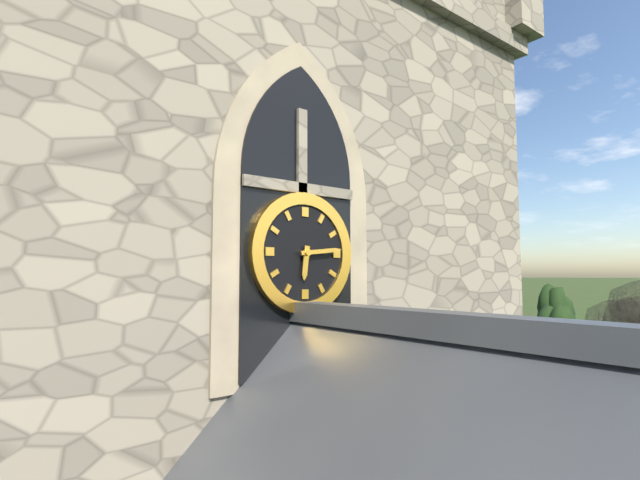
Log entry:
6h14
